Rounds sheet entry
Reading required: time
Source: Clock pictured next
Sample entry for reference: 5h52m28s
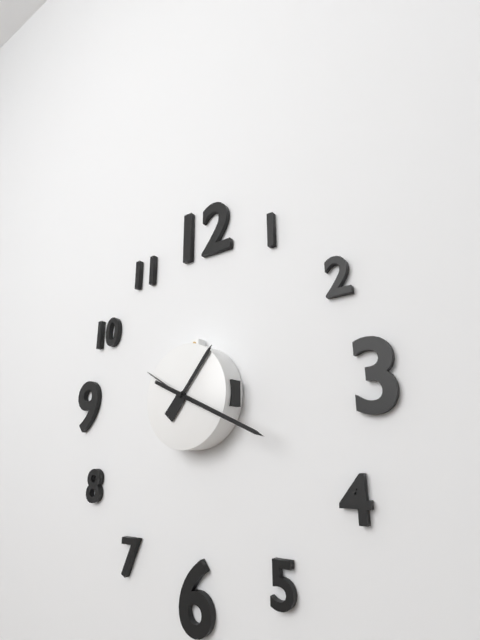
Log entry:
1h19m50s
